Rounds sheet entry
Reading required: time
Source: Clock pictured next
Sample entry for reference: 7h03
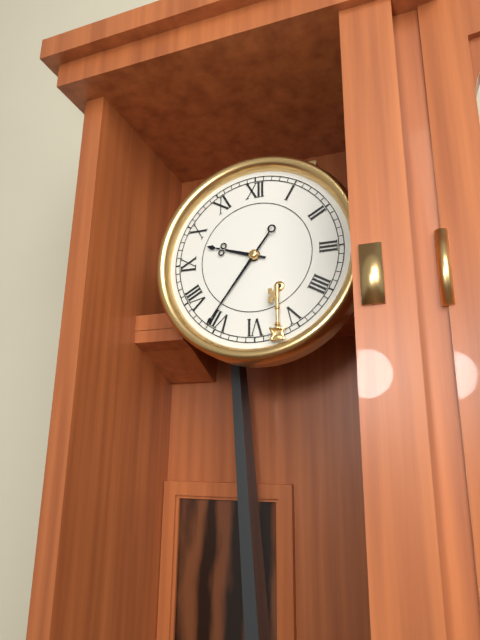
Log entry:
9h36
